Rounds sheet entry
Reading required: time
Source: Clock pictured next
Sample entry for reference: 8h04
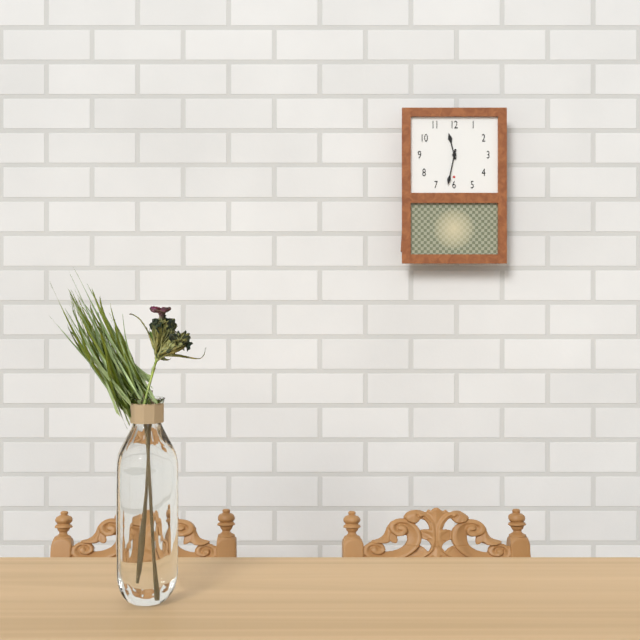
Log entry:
11h32
